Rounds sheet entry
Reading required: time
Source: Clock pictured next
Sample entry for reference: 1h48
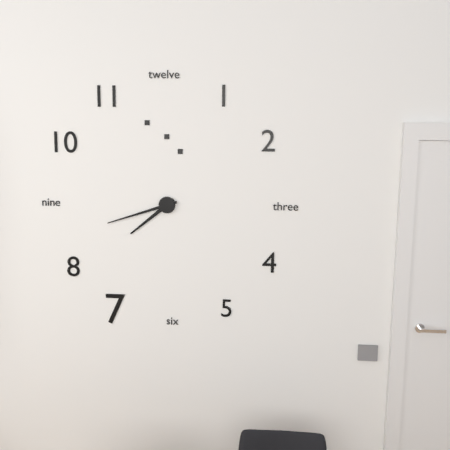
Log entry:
7h42
